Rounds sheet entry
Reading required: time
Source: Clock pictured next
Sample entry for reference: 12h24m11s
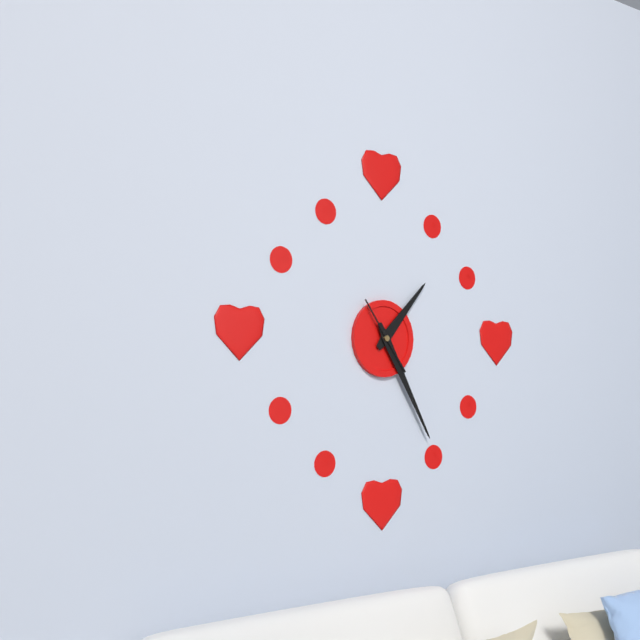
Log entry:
1h25m54s
